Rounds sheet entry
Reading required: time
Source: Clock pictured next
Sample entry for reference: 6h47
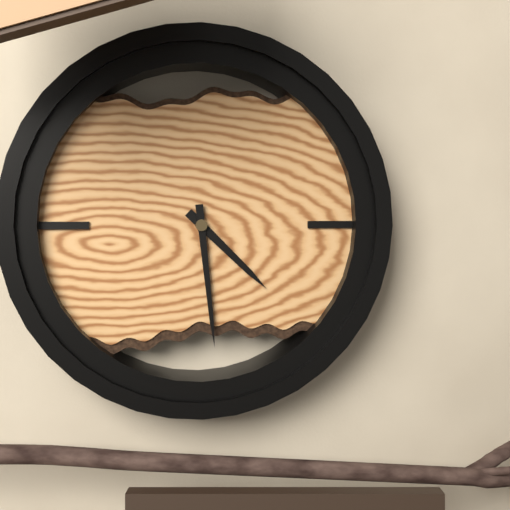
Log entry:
4h29
